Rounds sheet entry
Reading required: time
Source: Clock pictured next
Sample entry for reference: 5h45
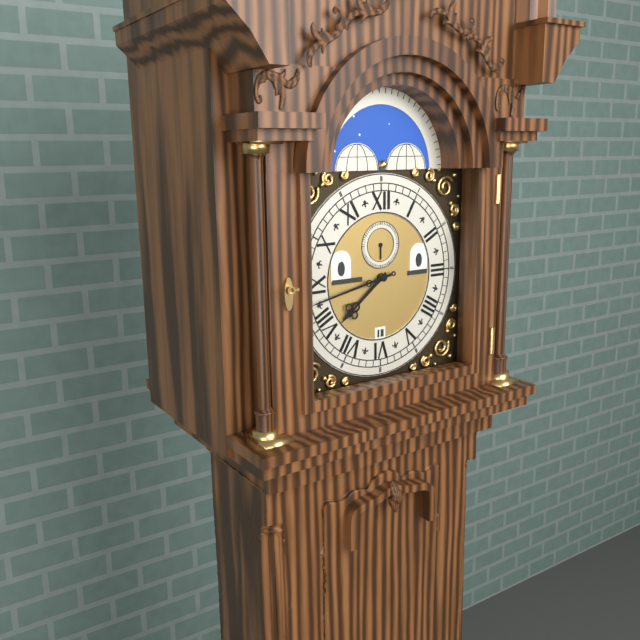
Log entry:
7h43
